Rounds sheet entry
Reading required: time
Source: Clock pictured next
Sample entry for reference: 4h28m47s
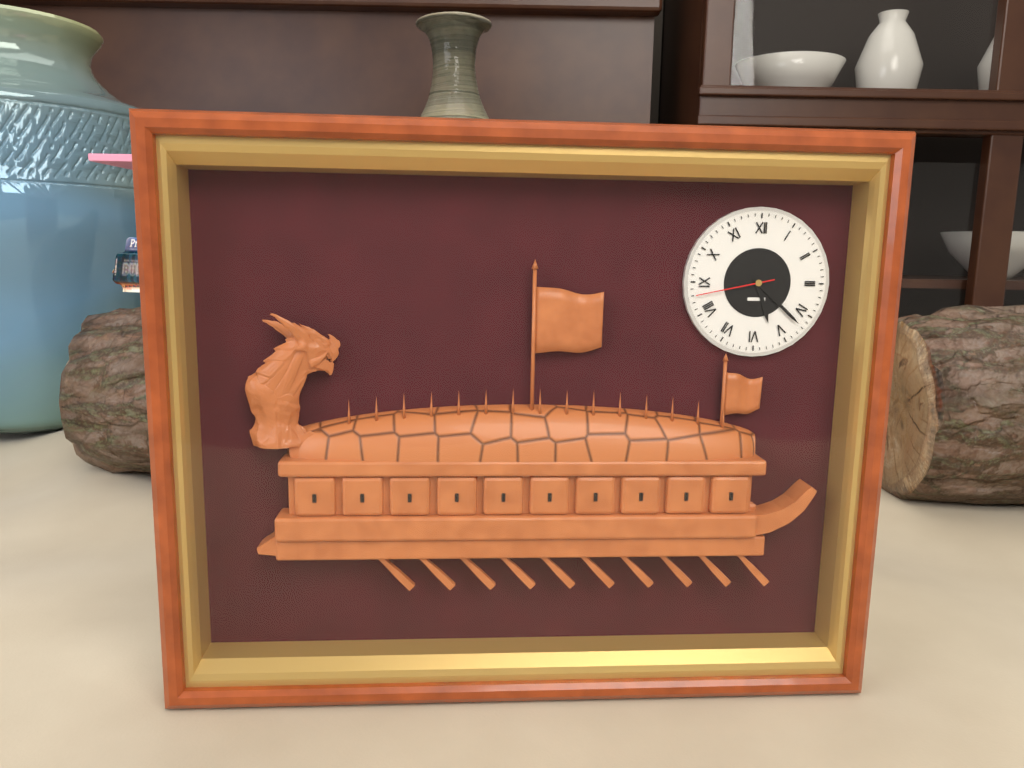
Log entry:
5h22m43s
